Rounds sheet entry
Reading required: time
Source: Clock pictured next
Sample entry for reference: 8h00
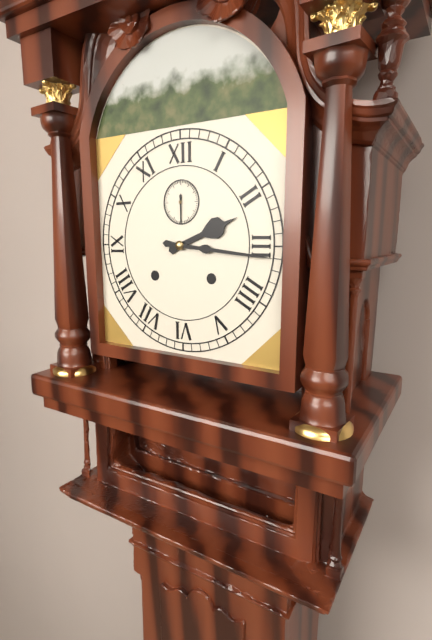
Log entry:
2h16
